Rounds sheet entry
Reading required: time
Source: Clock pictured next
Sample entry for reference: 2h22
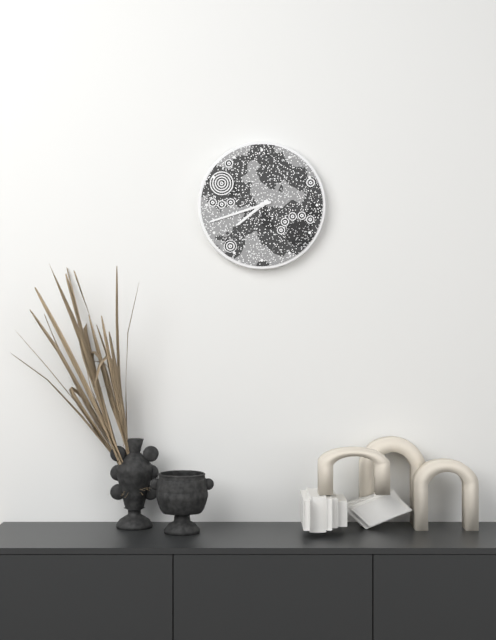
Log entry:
7h42
